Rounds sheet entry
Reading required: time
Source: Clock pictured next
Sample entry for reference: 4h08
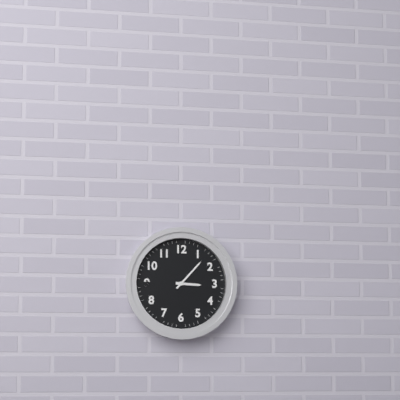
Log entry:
3h07
